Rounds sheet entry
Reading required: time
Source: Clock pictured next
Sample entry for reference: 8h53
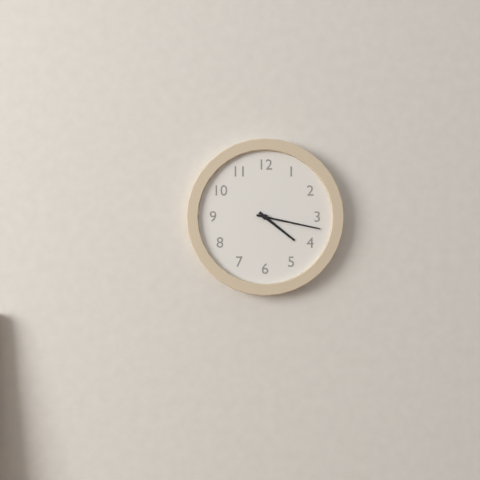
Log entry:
4h17
